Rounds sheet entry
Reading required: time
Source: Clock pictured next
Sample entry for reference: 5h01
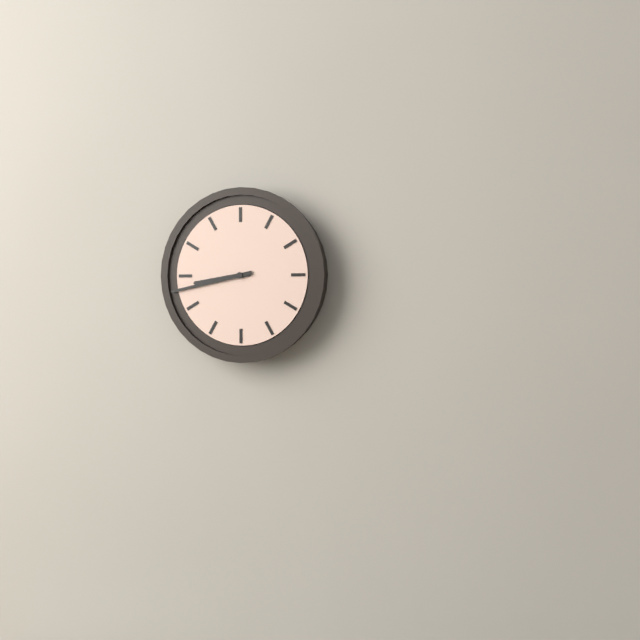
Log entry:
8h43
